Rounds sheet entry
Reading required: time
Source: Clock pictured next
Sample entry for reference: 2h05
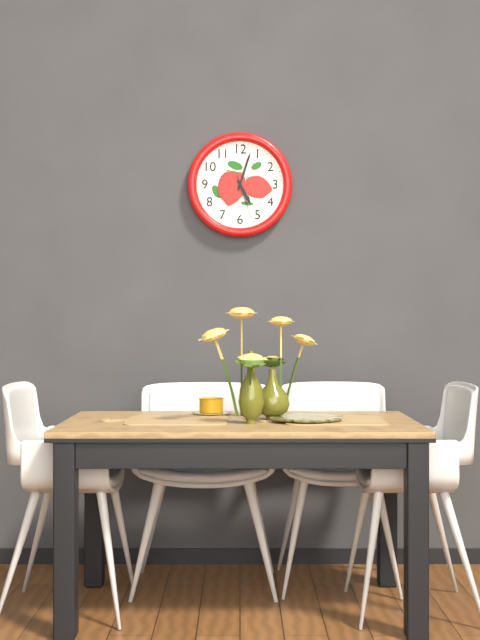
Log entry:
5h03
